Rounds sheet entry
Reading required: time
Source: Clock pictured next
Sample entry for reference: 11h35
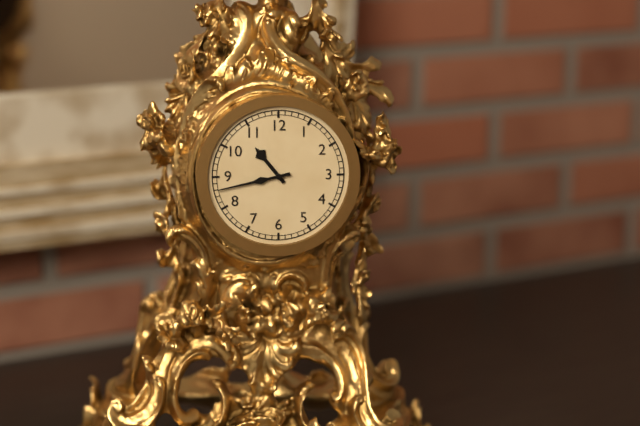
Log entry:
10h43
